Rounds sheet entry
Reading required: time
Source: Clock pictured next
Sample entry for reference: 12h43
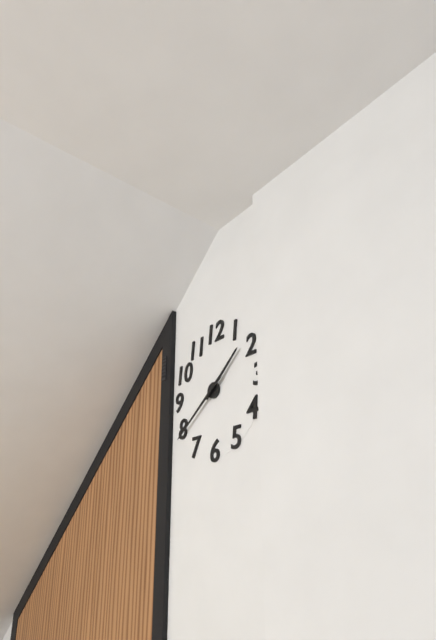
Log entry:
1h39
